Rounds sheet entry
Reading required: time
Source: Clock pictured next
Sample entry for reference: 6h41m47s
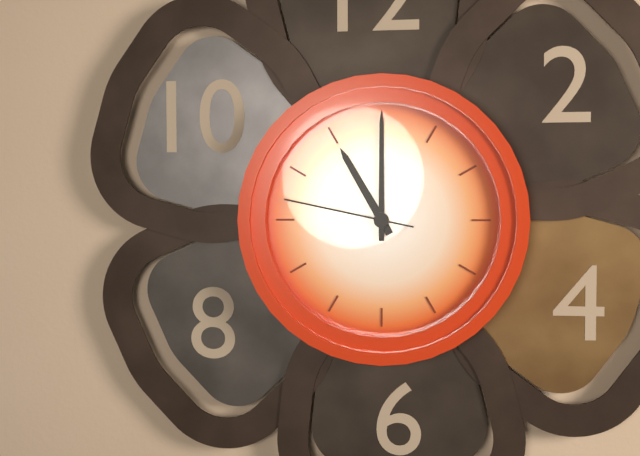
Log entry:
11h00m47s
